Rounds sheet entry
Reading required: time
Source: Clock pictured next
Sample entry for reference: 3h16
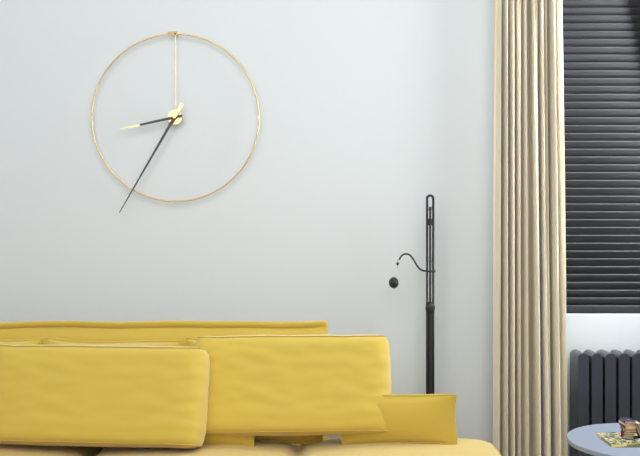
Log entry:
8h35
